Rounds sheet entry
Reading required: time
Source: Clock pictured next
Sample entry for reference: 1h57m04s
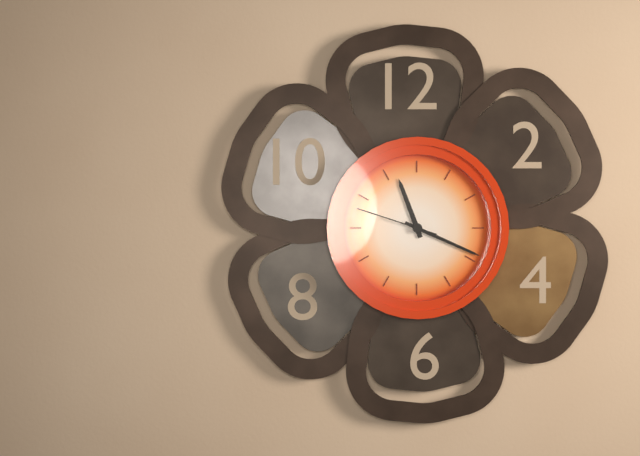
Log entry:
11h19m48s
